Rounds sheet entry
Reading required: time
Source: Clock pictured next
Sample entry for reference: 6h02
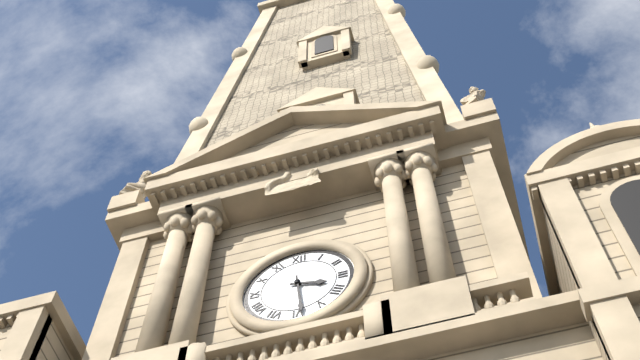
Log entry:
3h29
